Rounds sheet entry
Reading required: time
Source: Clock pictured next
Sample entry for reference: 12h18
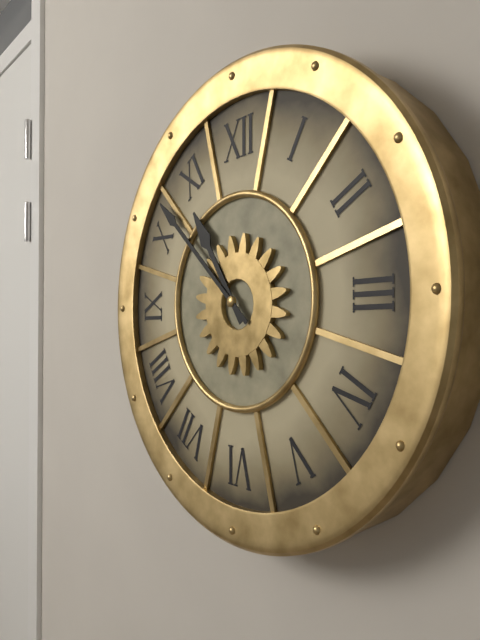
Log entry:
10h52
